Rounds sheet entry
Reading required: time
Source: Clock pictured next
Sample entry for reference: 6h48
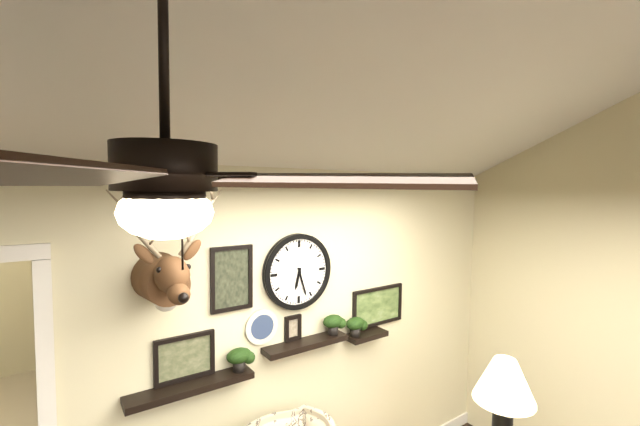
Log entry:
6h27
